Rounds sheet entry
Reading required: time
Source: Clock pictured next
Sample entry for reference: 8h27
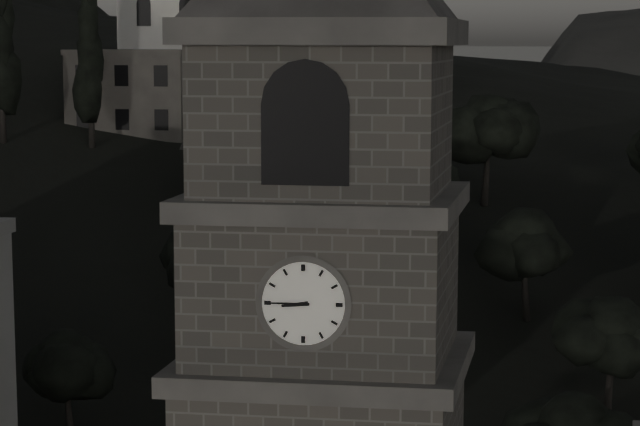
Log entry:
8h45
